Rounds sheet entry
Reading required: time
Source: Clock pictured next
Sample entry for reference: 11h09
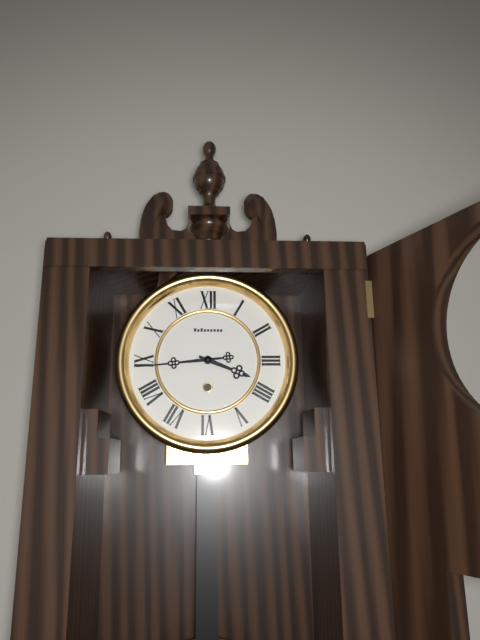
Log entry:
3h44
